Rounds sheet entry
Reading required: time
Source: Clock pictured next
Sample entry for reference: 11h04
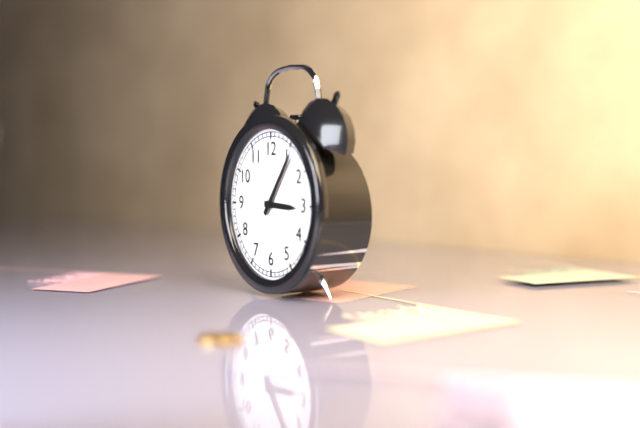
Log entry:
3h06
